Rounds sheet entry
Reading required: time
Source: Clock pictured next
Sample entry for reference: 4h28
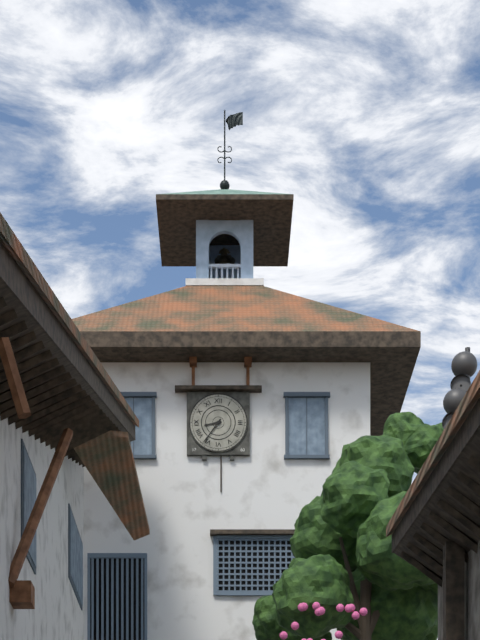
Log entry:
8h36
